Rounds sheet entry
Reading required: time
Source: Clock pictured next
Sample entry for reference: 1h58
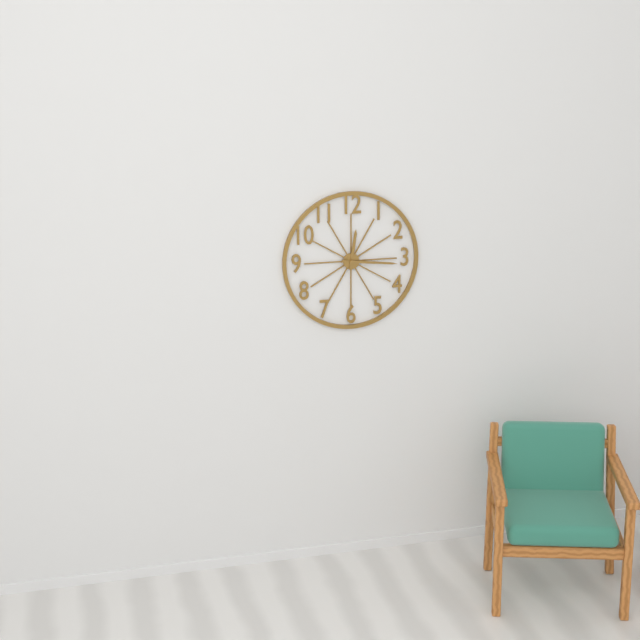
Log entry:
12h16
